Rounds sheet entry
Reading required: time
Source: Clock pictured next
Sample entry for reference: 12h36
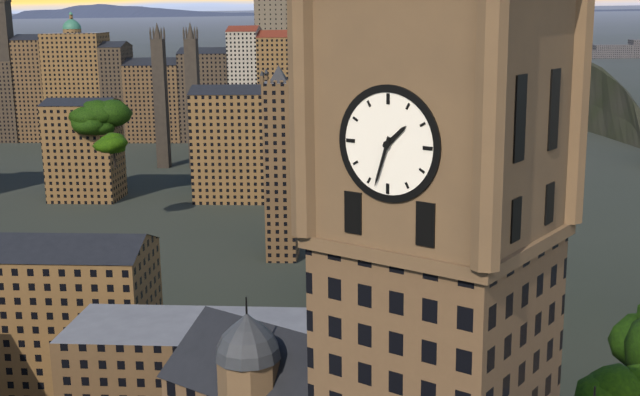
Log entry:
1h33
